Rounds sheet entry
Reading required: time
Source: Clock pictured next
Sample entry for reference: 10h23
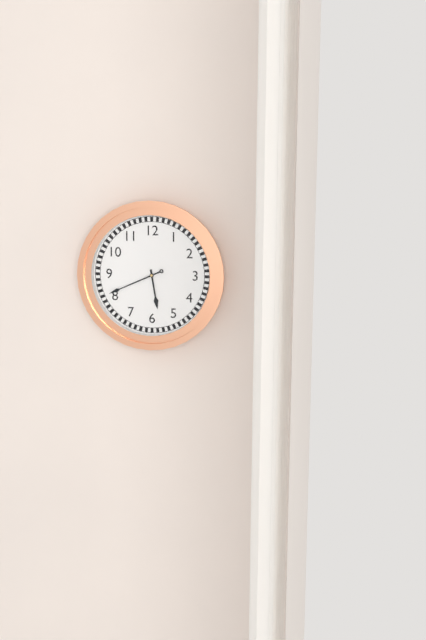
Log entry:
5h41
